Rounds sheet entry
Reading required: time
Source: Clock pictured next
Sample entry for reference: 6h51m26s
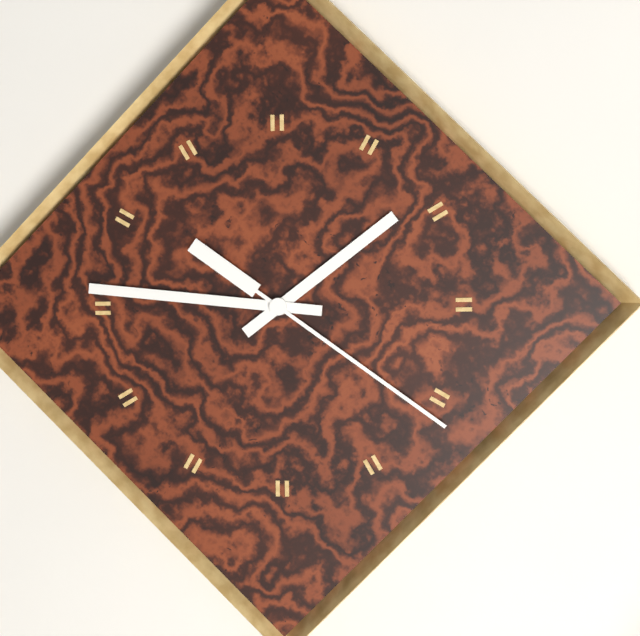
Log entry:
1h46m21s
